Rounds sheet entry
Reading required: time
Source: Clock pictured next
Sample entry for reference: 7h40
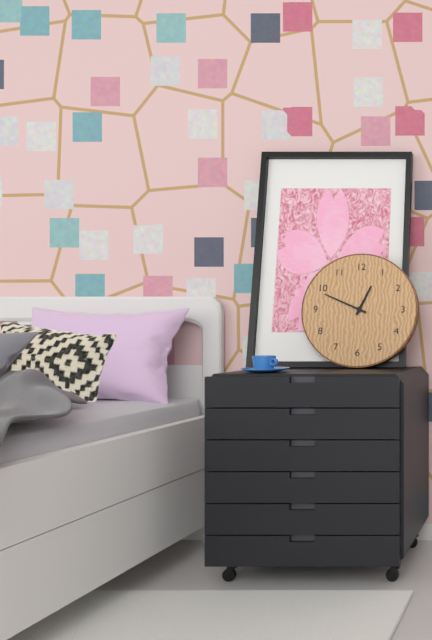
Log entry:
12h49
